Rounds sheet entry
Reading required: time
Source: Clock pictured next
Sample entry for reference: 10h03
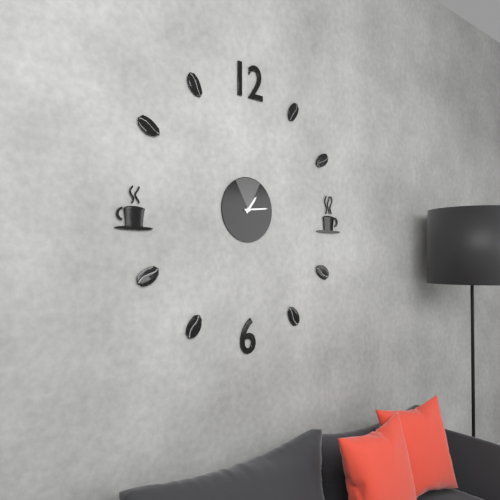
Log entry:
1h14
